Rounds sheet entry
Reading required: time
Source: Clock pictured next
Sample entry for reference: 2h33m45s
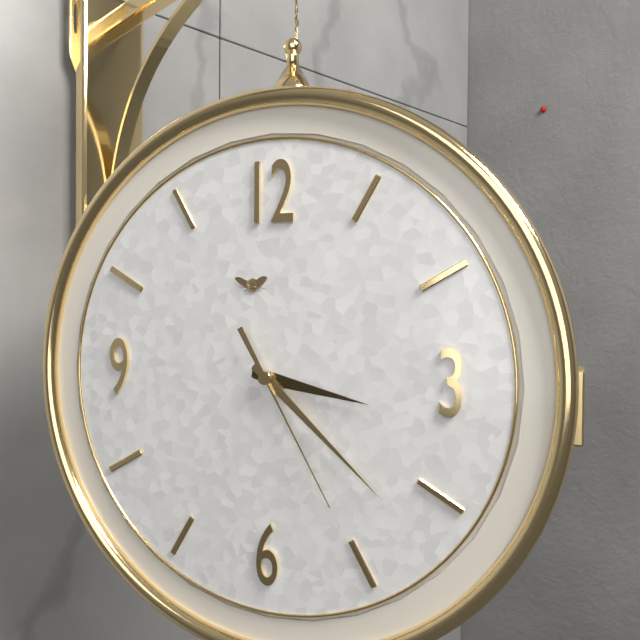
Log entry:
3h22m25s
